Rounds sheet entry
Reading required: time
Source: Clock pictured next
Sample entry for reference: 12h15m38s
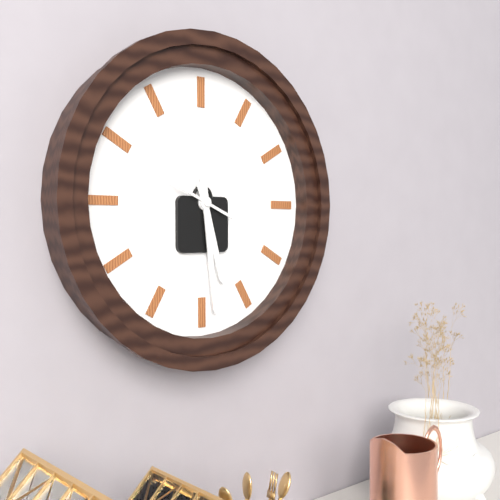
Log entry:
5h29m49s
